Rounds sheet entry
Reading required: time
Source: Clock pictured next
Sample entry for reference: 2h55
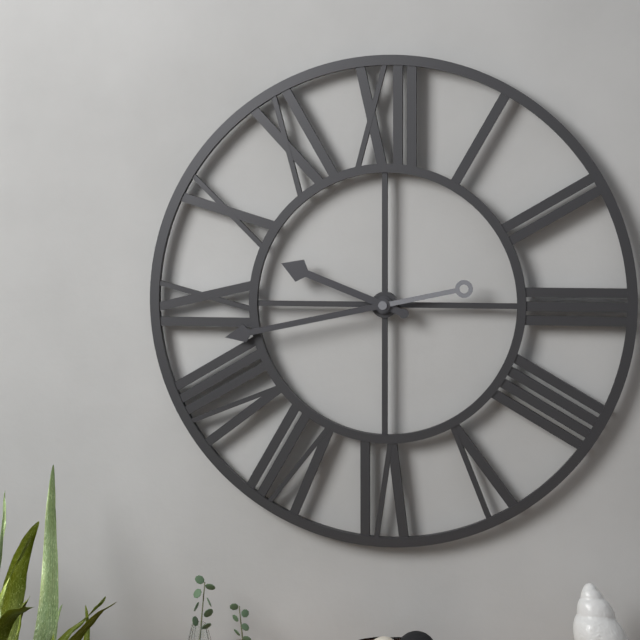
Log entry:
9h43
